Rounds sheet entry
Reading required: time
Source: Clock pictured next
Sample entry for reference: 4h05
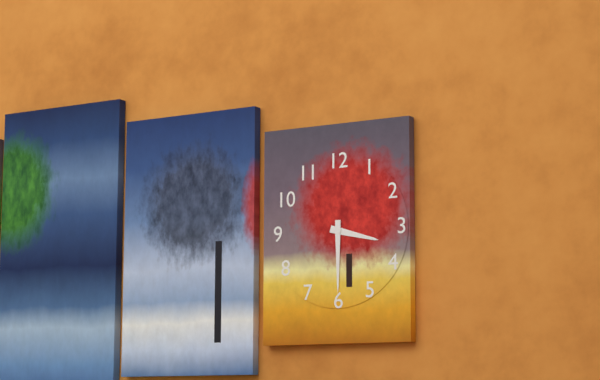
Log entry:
3h30
